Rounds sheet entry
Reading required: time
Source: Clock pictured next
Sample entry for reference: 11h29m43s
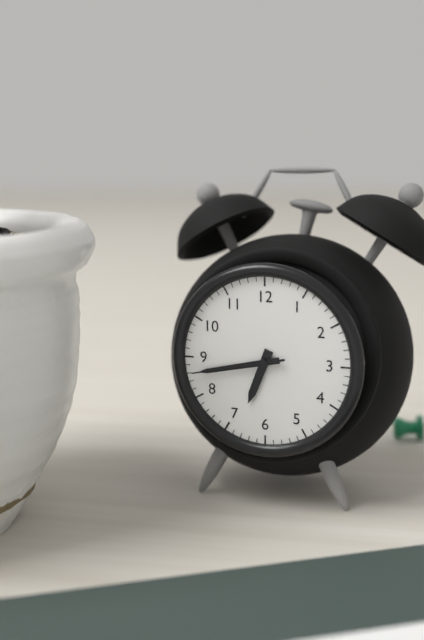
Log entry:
6h43m43s
